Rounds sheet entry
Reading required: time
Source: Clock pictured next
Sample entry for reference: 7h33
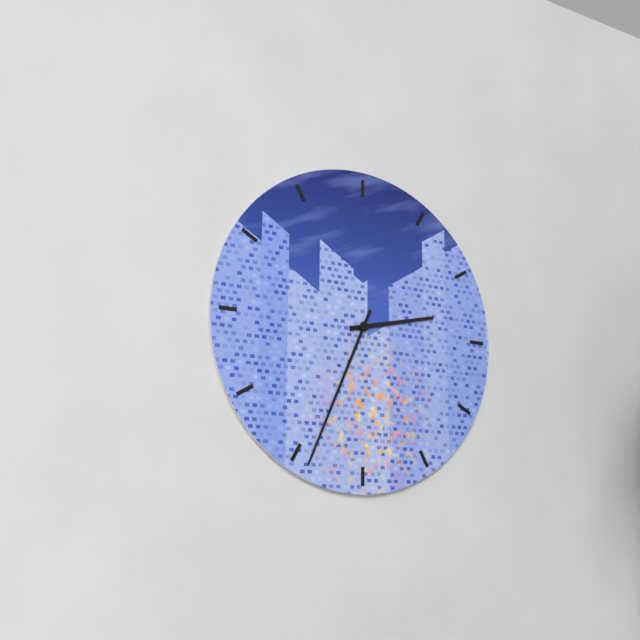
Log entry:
2h34
